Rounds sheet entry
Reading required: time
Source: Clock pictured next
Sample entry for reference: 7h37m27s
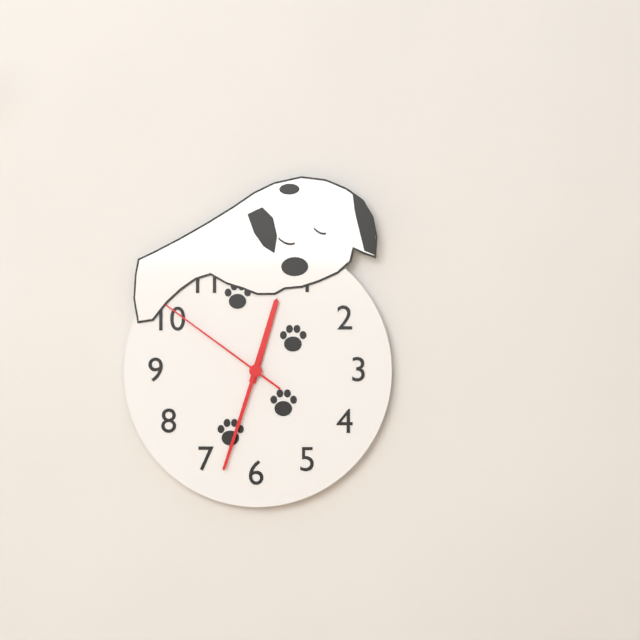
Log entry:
12h33m51s
